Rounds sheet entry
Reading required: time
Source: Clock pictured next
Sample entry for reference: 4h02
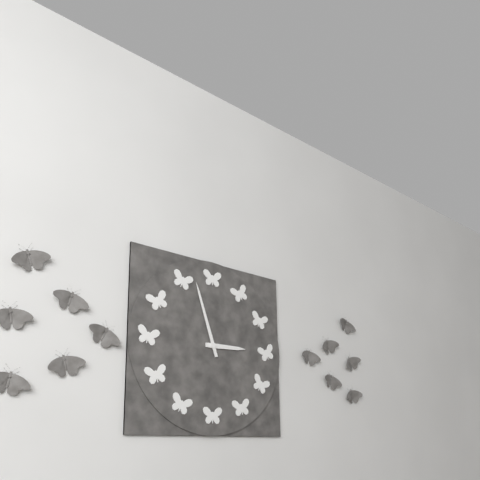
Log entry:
2h57
